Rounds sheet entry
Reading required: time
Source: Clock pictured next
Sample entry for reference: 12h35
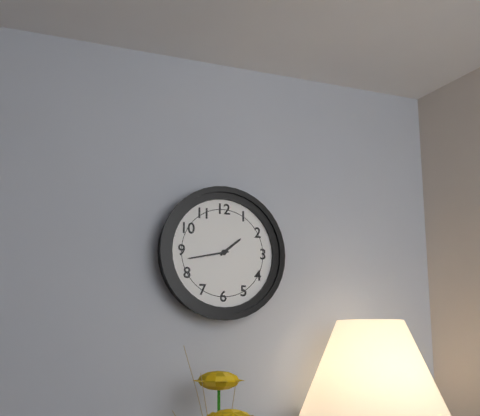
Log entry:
1h43
